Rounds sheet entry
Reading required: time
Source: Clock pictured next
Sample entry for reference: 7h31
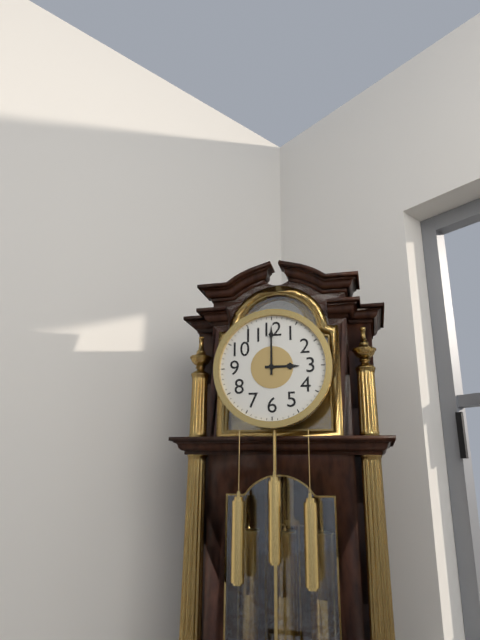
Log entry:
3h00
